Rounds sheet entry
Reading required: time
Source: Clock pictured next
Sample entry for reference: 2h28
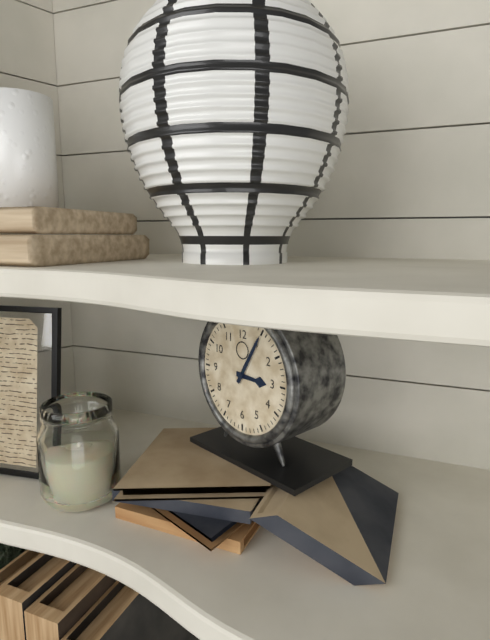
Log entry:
3h05
